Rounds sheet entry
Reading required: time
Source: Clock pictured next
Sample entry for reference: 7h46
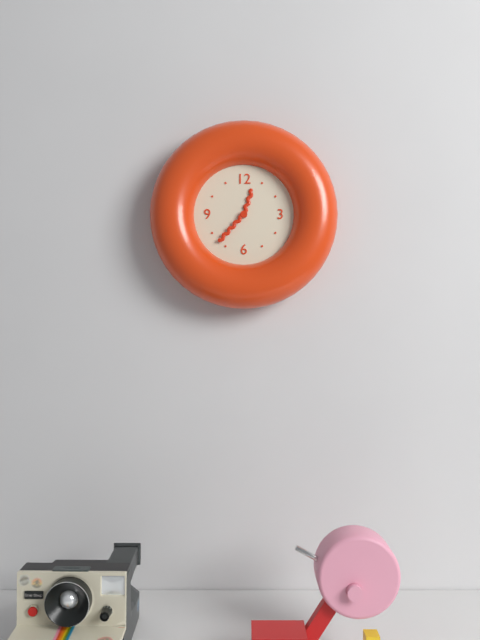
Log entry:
12h37
